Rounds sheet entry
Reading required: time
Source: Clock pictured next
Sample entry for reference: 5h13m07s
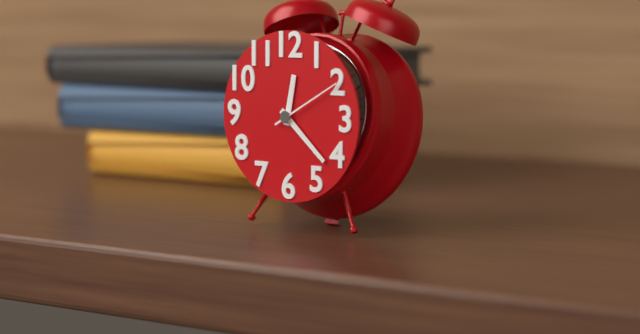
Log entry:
12h22m10s
